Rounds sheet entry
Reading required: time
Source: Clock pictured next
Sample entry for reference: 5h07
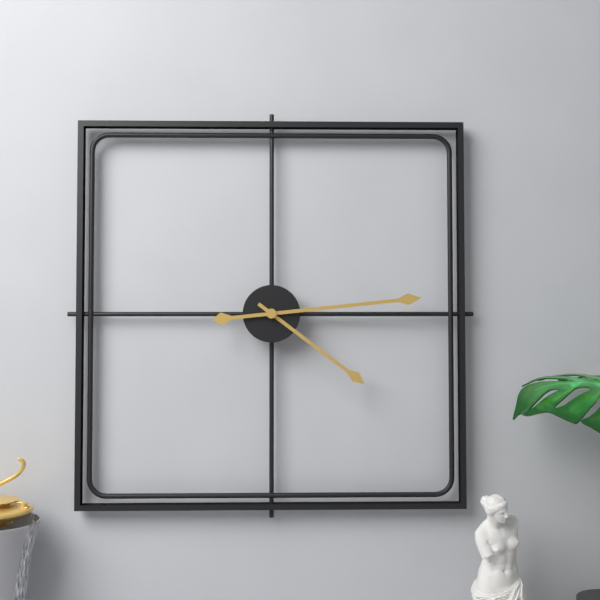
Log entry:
4h14
